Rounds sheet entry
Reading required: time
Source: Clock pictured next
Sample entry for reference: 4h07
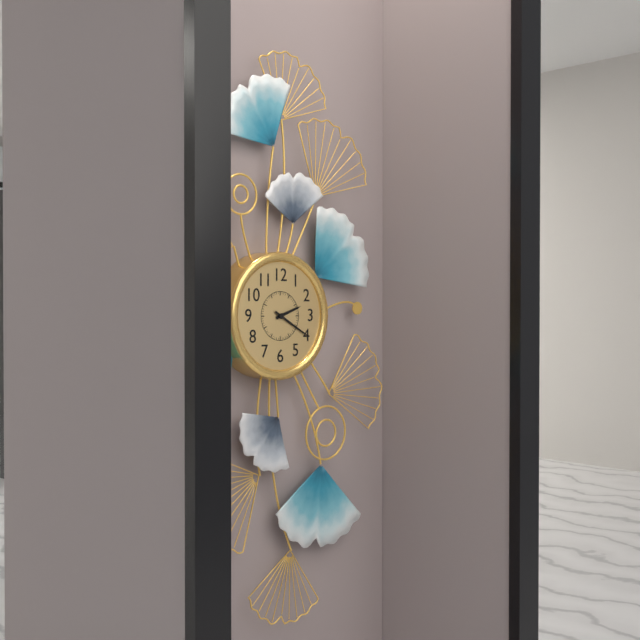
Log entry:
2h20
